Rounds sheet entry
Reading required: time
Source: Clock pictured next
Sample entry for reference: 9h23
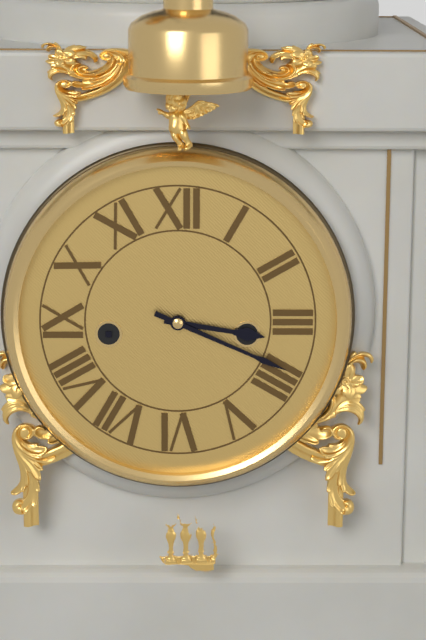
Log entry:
3h19
